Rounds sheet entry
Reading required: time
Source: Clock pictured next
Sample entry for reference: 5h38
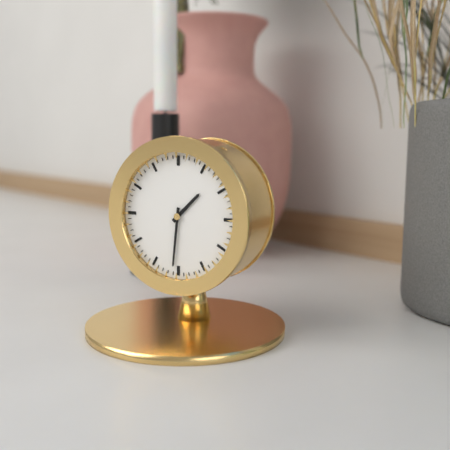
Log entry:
1h31
